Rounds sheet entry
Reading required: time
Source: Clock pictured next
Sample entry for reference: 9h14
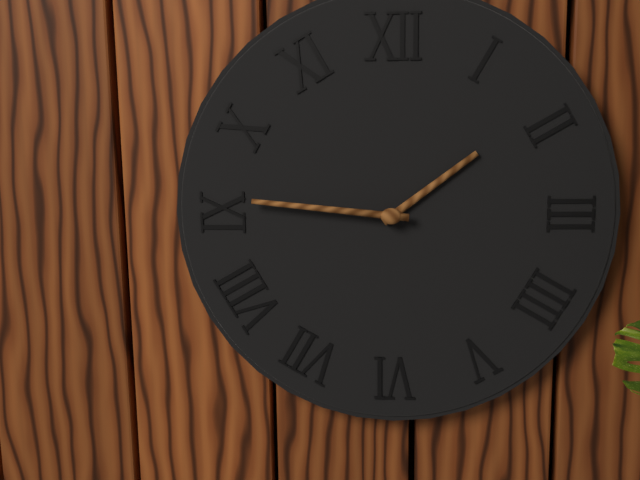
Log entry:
1h46
